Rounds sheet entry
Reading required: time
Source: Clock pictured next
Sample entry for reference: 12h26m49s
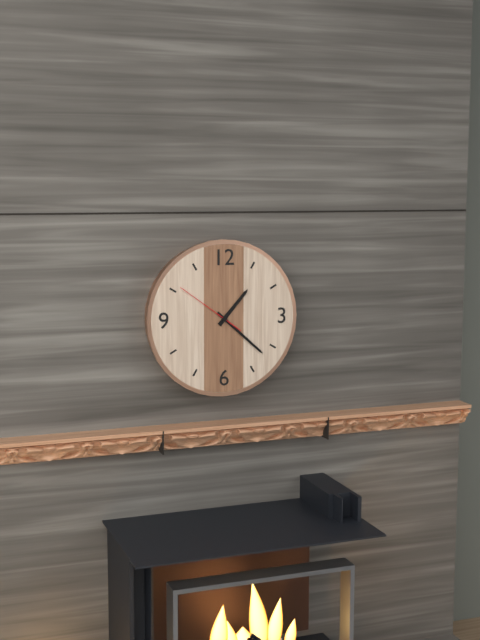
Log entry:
1h22m51s
